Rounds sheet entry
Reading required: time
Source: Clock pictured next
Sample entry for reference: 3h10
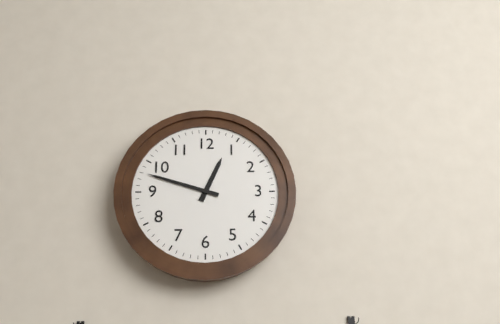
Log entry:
12h48
